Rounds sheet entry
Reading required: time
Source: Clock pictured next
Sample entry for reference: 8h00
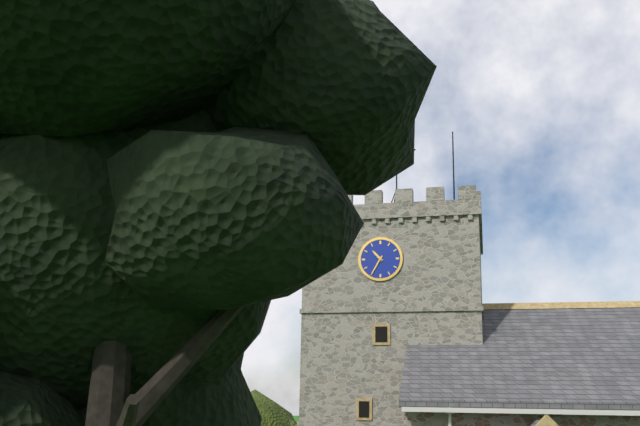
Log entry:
10h35
